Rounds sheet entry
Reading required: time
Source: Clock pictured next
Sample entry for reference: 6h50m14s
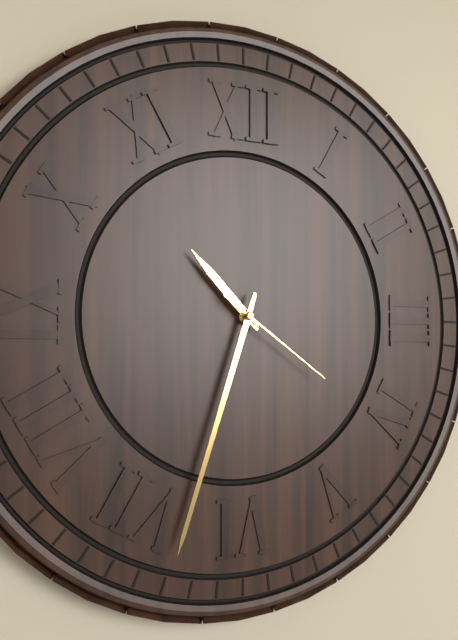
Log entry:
10h33m21s
